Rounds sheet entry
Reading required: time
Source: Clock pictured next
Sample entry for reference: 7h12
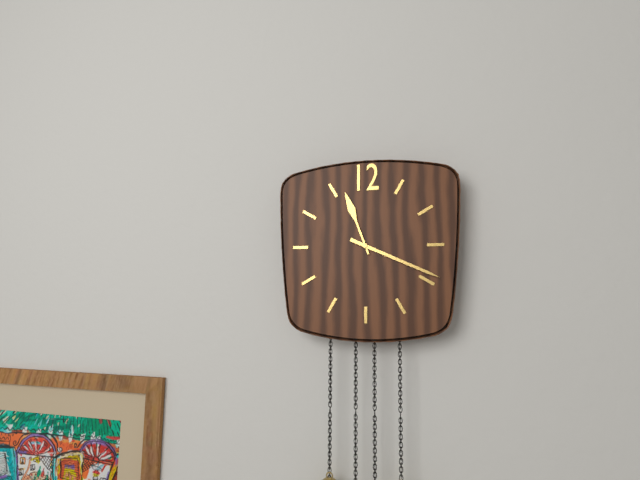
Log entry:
11h19
